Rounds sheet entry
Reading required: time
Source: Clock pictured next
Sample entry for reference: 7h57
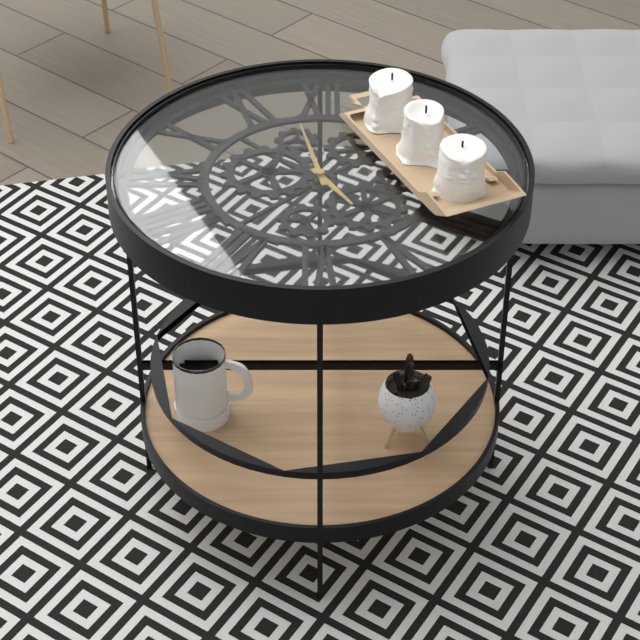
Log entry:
4h58
